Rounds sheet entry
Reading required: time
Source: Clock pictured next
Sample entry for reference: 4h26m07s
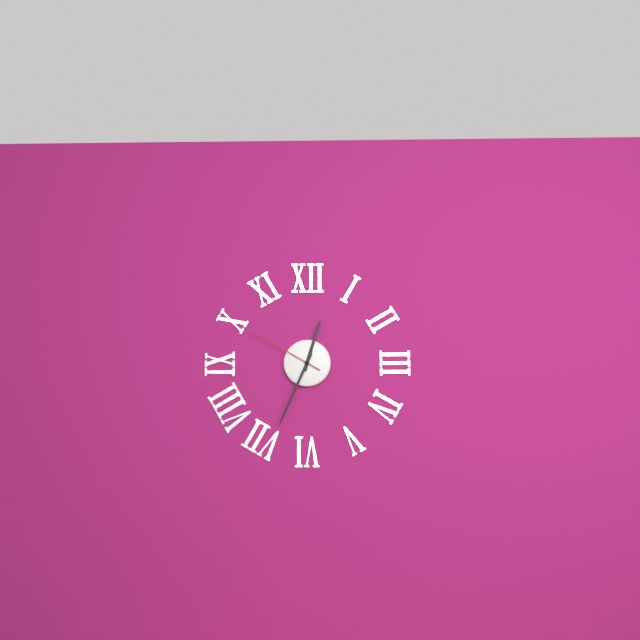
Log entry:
12h34m50s
